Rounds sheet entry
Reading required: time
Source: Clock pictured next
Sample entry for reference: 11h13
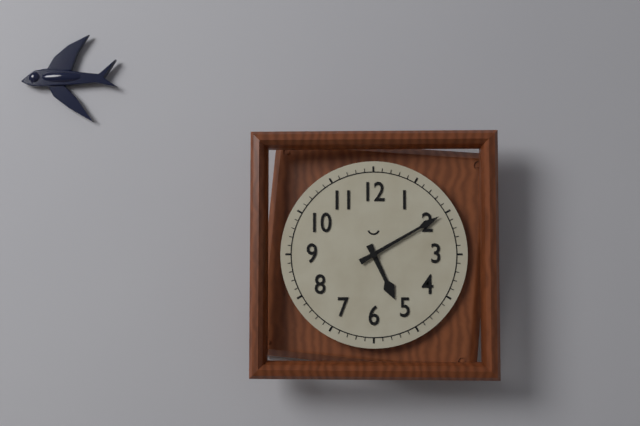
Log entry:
5h10
